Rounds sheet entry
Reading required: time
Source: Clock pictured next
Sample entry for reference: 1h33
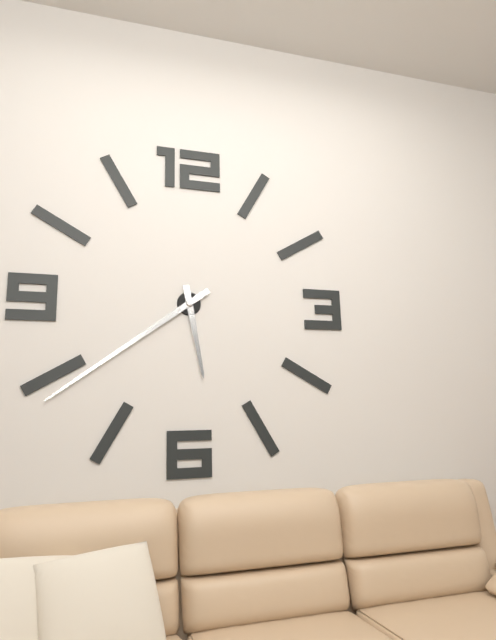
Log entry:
5h39
